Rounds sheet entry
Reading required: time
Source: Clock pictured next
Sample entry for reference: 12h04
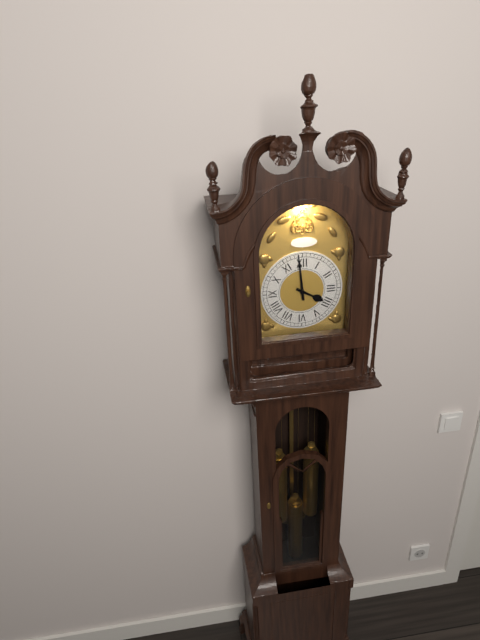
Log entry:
3h59
